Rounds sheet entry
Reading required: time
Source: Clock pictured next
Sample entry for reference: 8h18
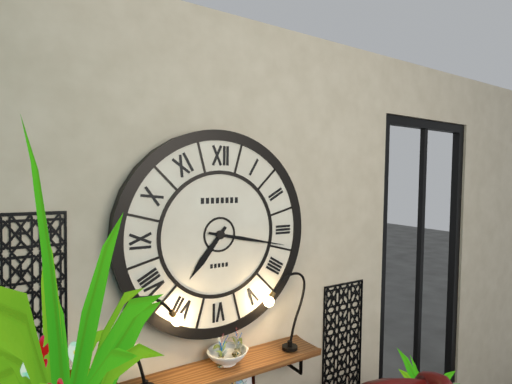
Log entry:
7h17
